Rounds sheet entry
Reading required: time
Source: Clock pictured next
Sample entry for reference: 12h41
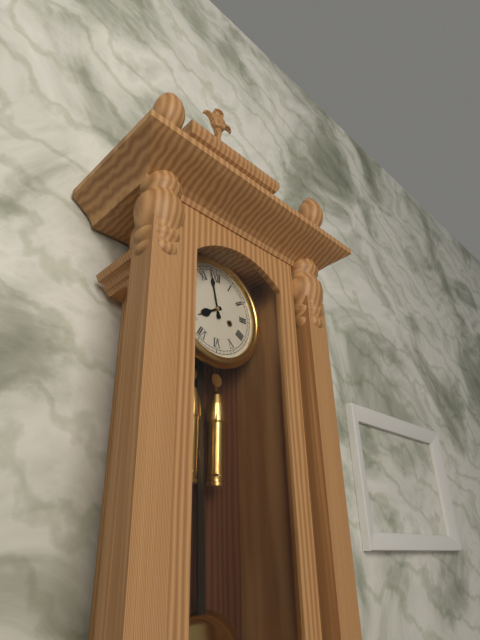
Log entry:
7h58
